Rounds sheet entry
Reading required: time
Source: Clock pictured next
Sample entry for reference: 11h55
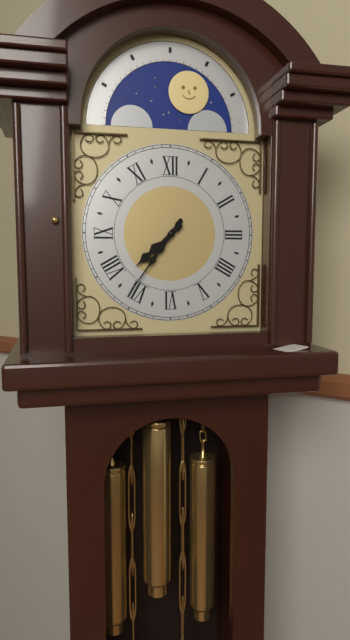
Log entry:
7h36
